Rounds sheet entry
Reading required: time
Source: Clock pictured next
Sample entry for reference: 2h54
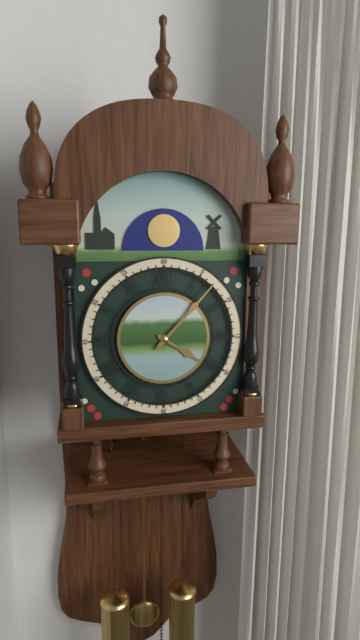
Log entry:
4h07
